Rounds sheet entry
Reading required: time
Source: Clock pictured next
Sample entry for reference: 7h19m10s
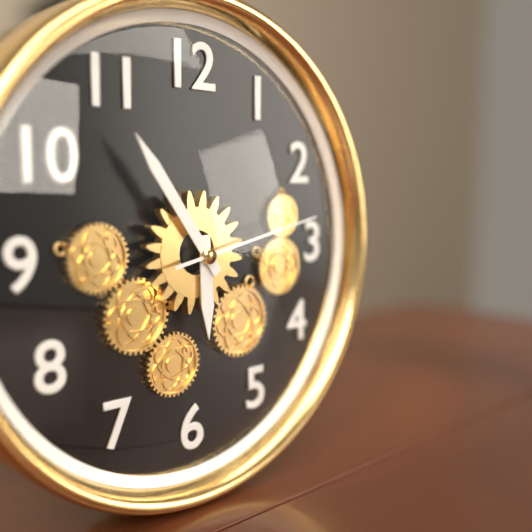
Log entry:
5h54m13s
